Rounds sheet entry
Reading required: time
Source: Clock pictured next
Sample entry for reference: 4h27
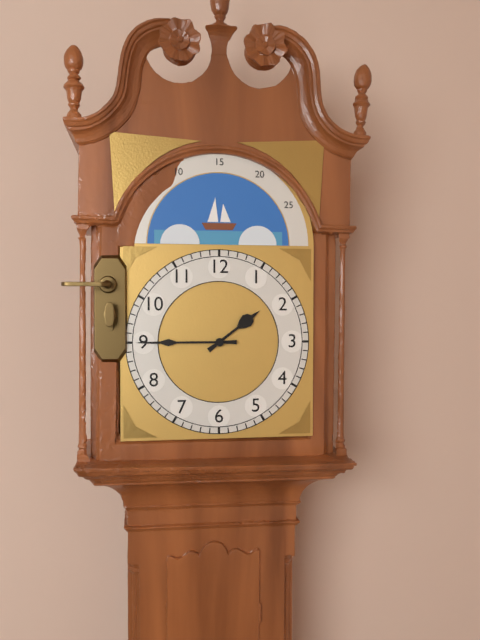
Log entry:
1h45
